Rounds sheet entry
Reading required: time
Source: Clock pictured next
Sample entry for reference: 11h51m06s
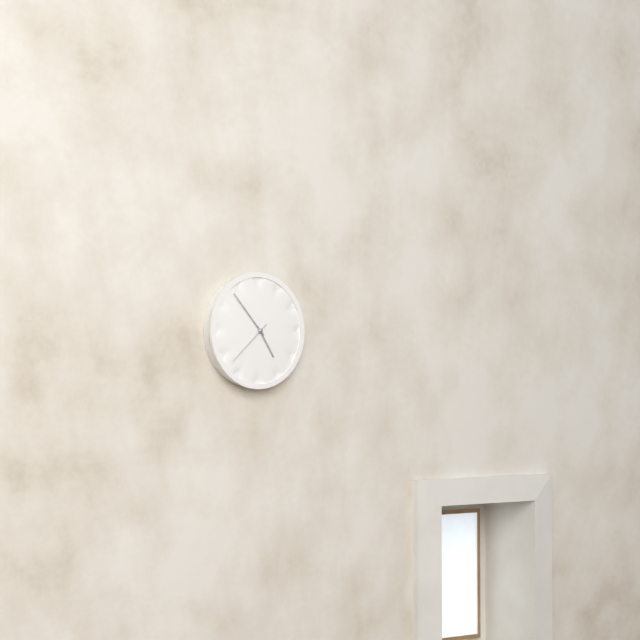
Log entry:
4h53m38s
